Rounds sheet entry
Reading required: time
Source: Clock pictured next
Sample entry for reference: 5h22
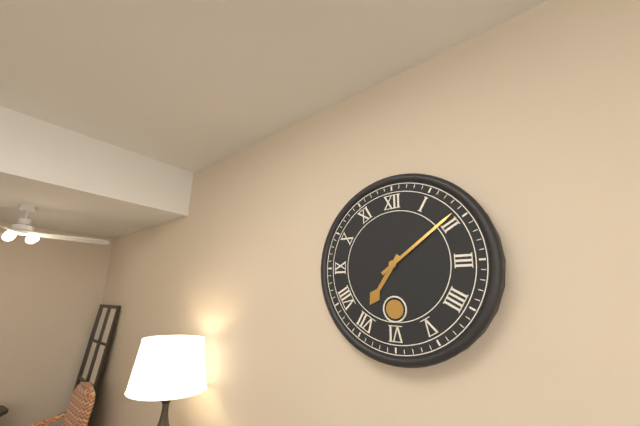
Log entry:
7h09
